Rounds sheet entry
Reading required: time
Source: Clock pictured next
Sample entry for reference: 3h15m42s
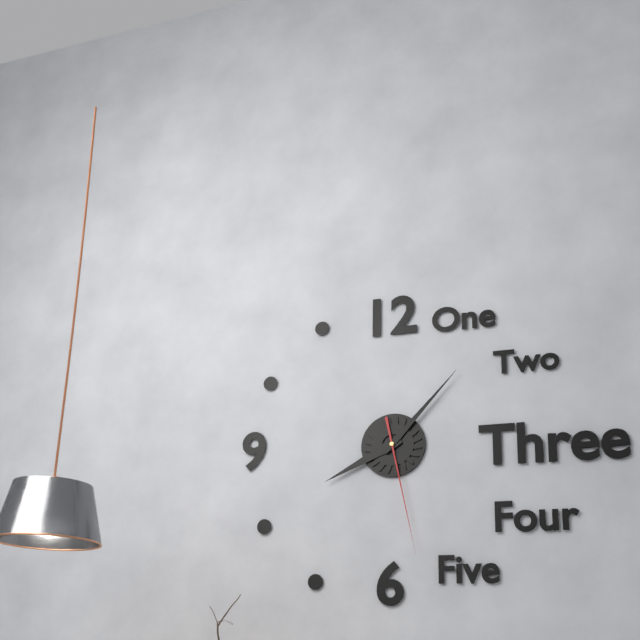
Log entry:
8h07m28s
